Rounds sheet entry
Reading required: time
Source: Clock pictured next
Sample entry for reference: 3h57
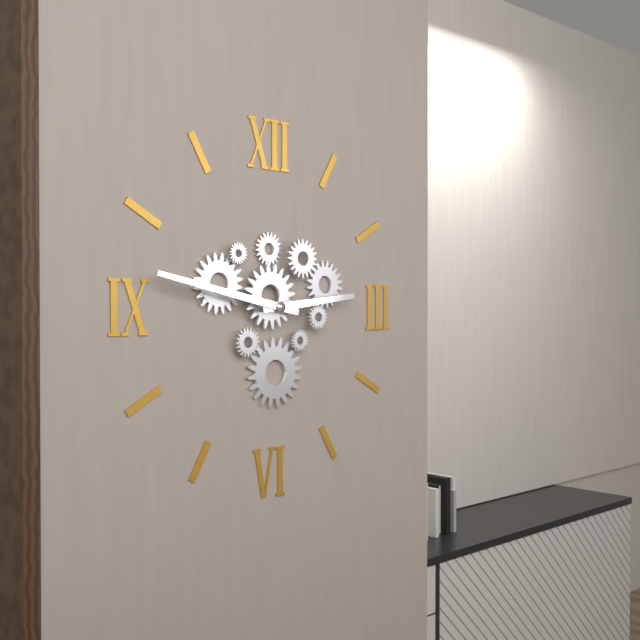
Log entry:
2h47
